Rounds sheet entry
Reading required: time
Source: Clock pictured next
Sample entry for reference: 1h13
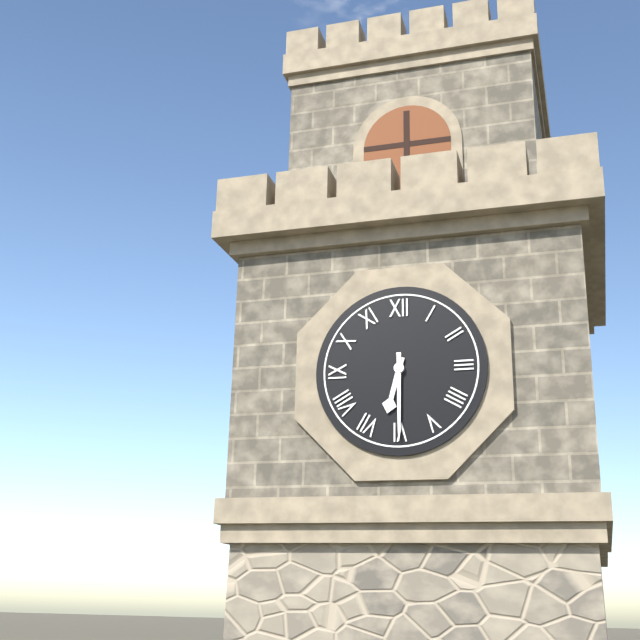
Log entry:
6h30
